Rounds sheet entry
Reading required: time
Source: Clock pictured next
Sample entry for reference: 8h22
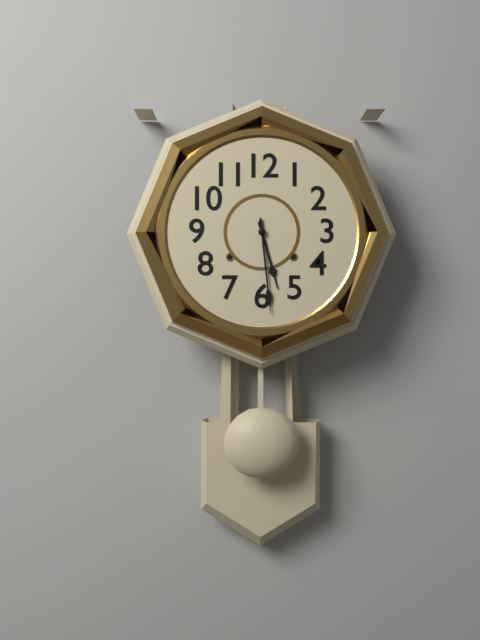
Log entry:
5h29
